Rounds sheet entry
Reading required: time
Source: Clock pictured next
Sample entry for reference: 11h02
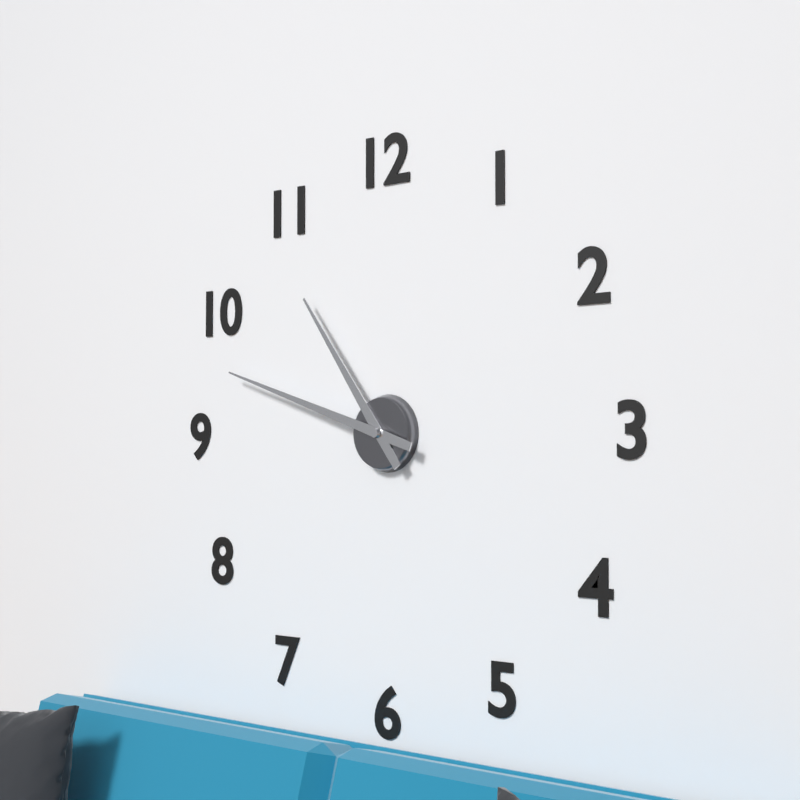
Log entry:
10h48
